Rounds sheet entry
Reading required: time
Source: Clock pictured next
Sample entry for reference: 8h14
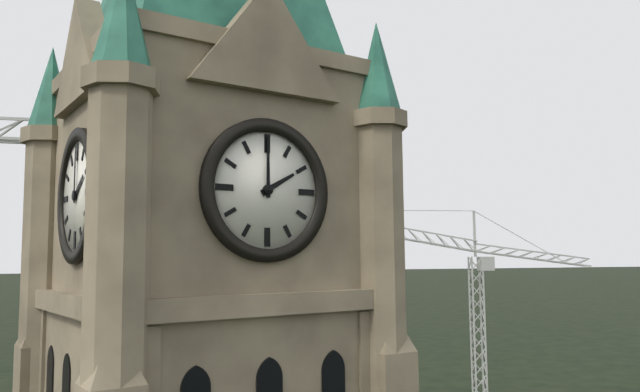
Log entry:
2h00
